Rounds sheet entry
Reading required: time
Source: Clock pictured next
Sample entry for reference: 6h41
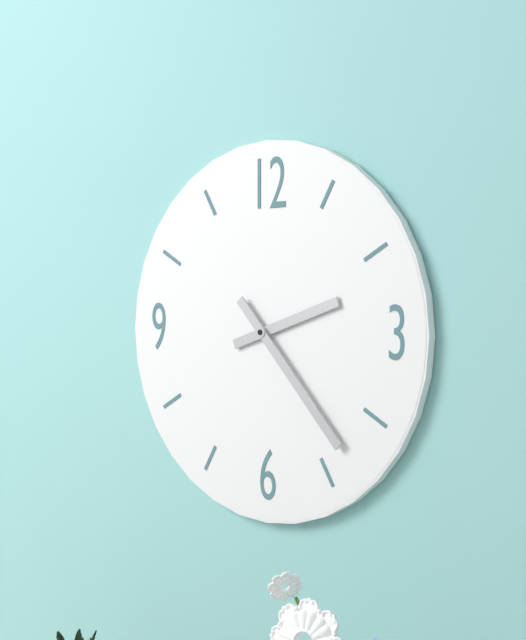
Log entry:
2h23
